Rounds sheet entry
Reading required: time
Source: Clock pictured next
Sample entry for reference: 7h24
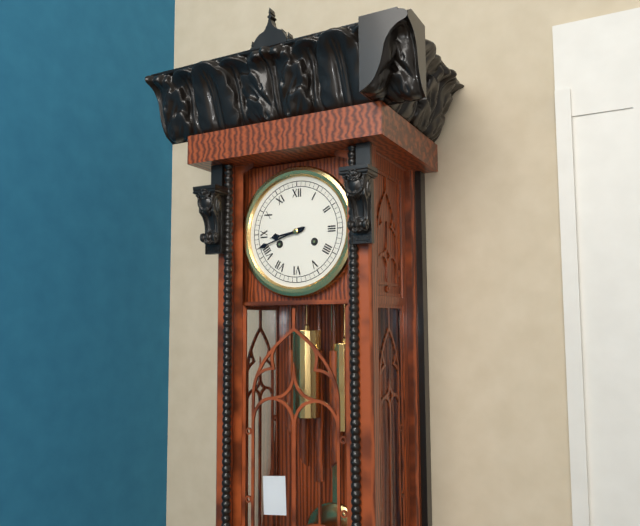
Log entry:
8h42
